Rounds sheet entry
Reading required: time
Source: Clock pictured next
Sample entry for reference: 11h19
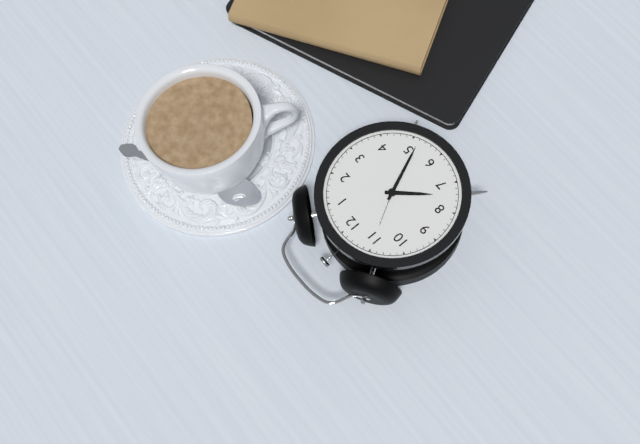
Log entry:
7h26
